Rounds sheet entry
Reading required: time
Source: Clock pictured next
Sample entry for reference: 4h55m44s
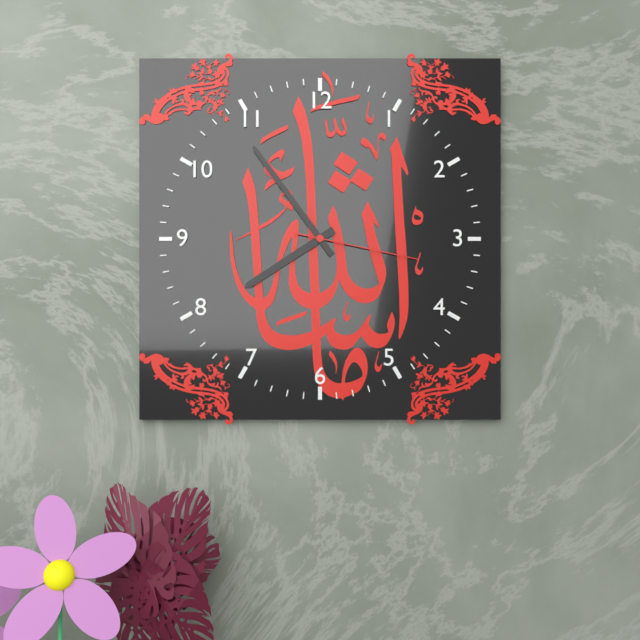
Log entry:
7h54m17s
